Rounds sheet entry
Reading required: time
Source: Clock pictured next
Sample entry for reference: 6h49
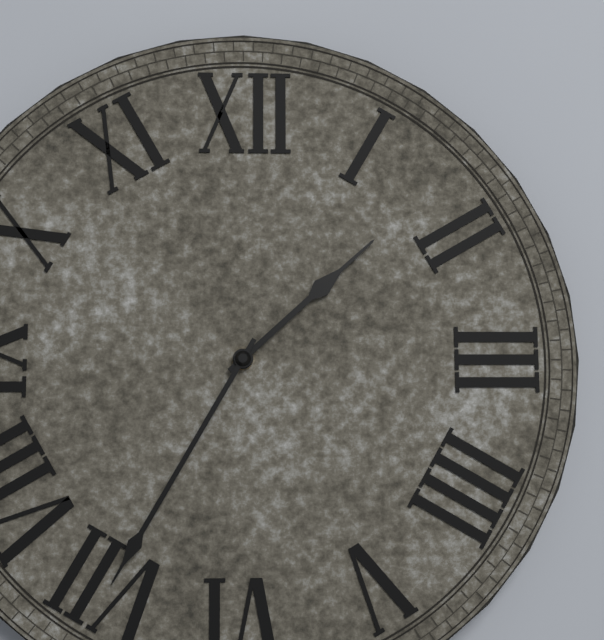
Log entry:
1h35
